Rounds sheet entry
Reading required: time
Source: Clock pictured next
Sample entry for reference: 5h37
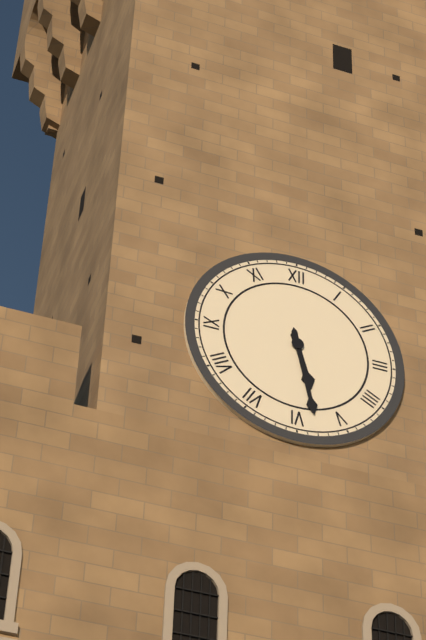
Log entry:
5h28
